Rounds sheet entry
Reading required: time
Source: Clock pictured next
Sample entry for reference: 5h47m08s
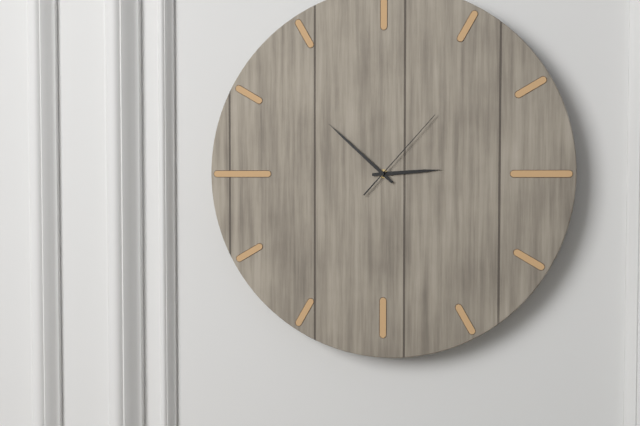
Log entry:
2h52m07s
